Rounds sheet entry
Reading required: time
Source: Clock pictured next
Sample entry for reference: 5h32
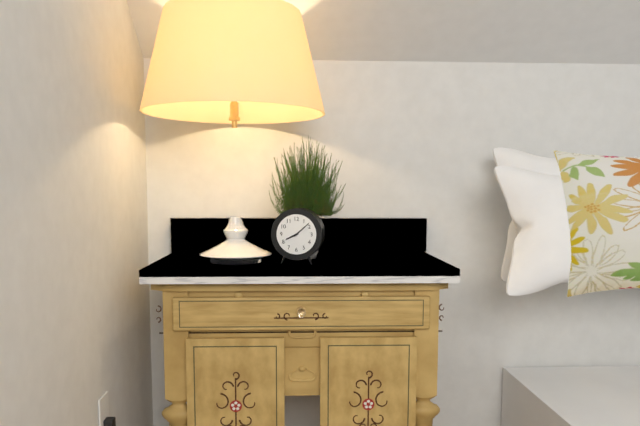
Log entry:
8h08
